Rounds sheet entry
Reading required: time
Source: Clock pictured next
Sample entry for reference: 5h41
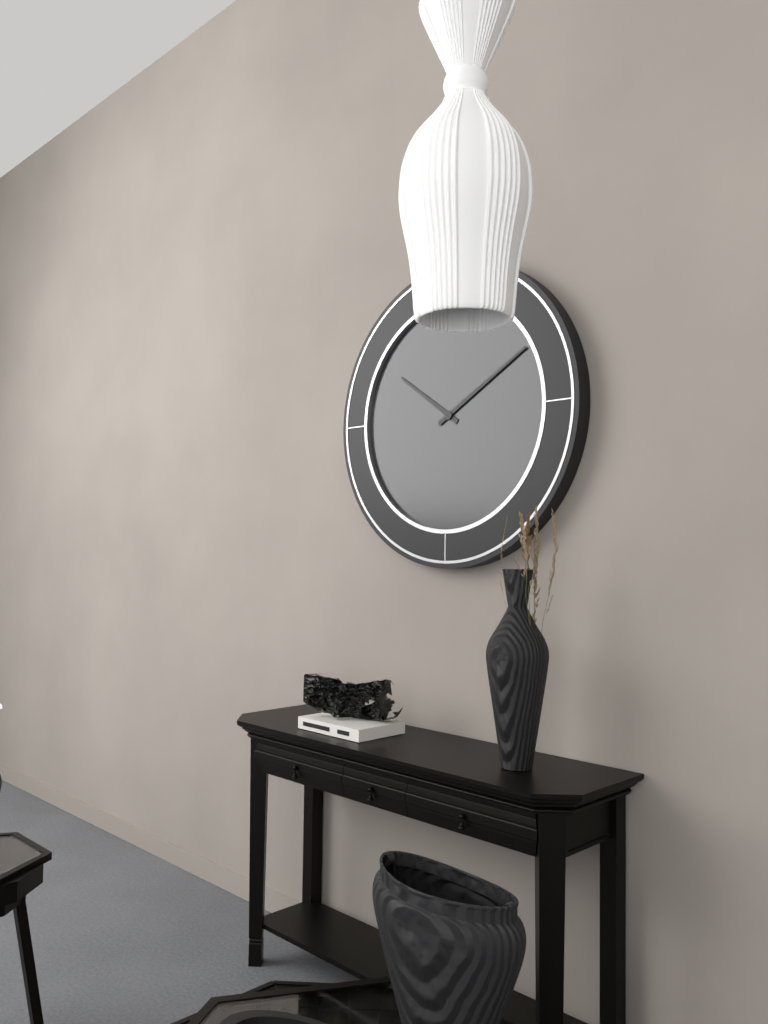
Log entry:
10h10
